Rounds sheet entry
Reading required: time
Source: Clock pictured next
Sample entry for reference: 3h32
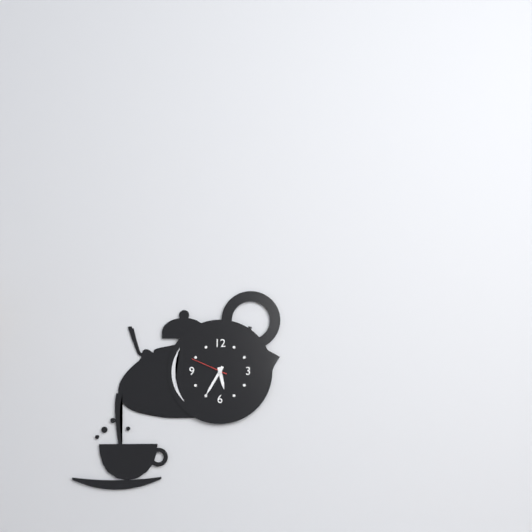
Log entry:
5h35
